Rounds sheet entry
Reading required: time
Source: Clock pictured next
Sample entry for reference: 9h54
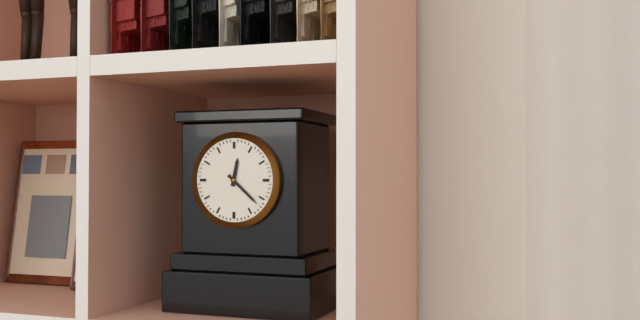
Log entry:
12h22
